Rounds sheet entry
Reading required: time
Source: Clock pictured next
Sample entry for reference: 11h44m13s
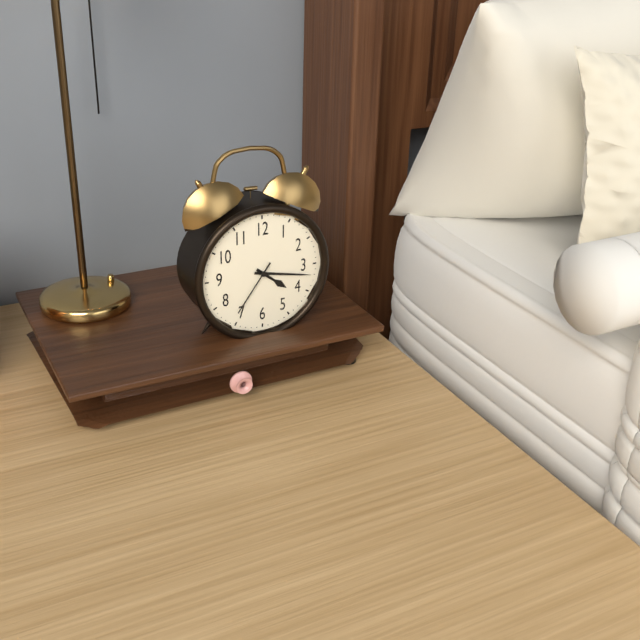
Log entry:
4h17m36s
